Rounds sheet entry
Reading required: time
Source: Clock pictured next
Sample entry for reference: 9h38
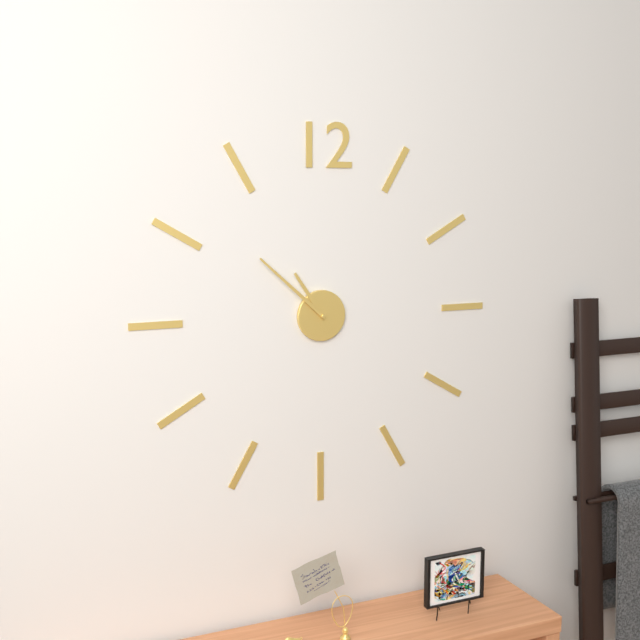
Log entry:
10h52
